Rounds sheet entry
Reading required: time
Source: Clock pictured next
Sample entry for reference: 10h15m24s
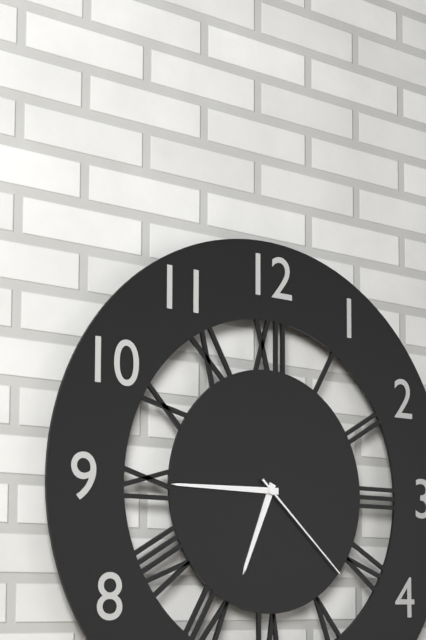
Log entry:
6h45m22s
